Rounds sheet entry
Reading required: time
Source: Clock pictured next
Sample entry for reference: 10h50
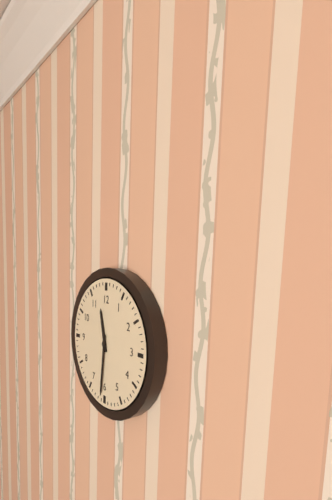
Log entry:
11h31
